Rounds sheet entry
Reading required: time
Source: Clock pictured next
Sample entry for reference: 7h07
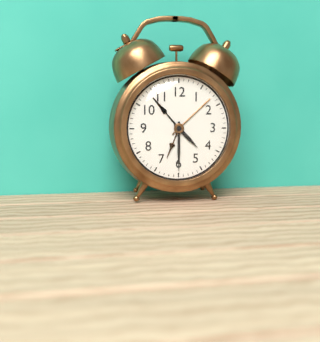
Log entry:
4h30
